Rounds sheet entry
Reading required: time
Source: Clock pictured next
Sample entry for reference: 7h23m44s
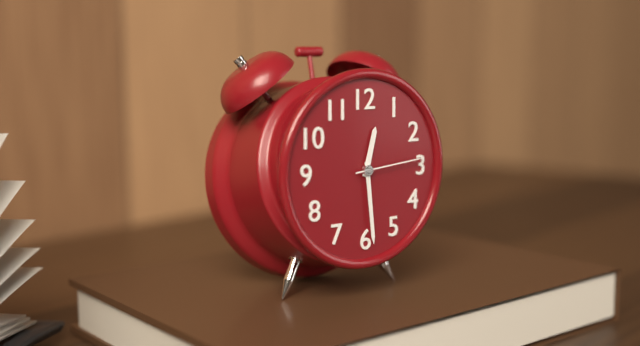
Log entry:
12h29m14s
